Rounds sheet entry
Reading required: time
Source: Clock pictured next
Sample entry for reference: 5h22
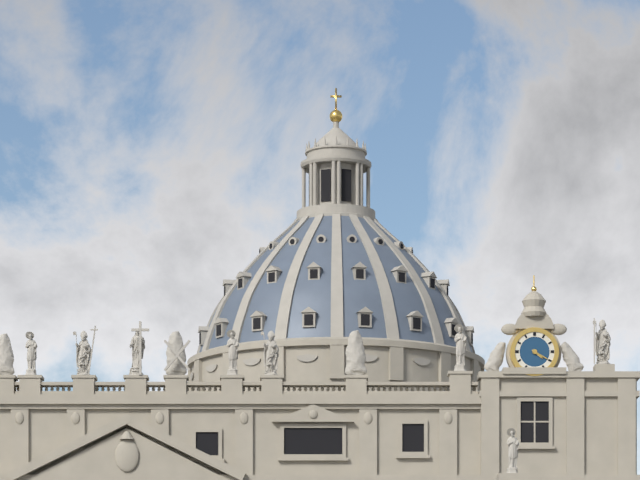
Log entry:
4h20
